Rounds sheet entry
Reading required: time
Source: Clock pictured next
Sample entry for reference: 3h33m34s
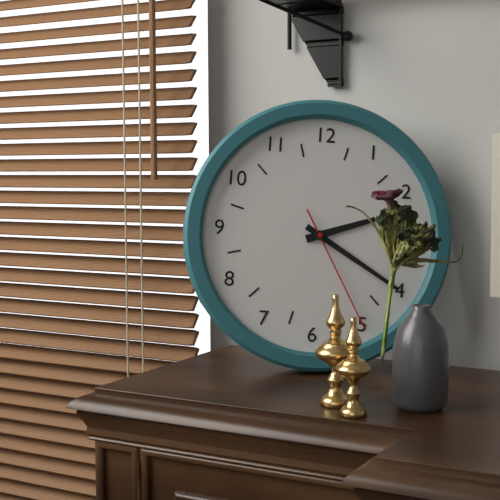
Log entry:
2h20m25s
